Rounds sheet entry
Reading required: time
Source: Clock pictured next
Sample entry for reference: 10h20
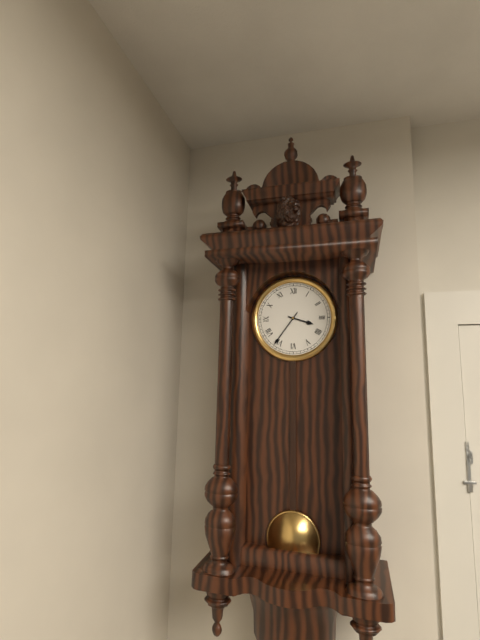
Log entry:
3h36
